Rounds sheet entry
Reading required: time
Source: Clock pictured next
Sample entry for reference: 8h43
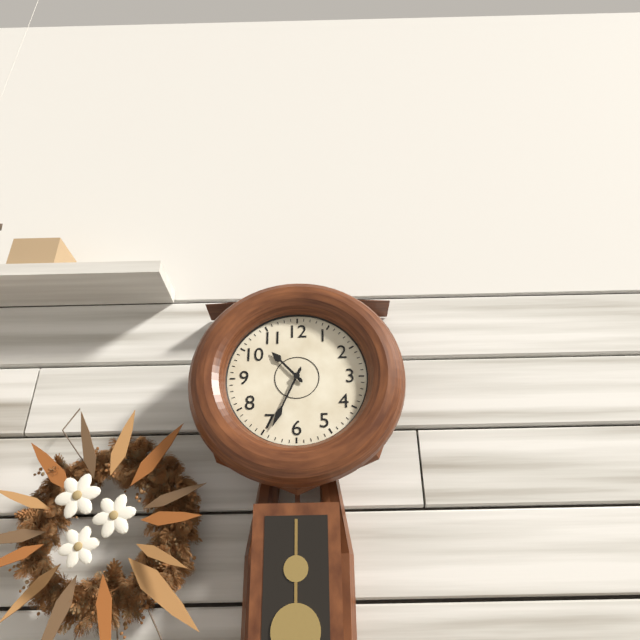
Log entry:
10h34
